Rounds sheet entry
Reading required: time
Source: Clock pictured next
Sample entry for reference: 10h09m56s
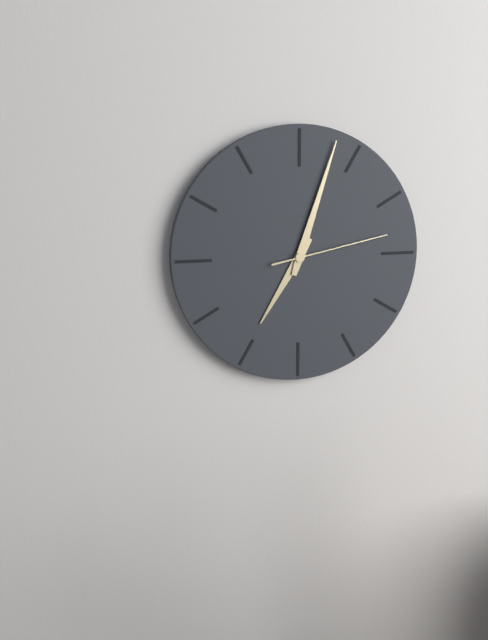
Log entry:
7h03m13s
